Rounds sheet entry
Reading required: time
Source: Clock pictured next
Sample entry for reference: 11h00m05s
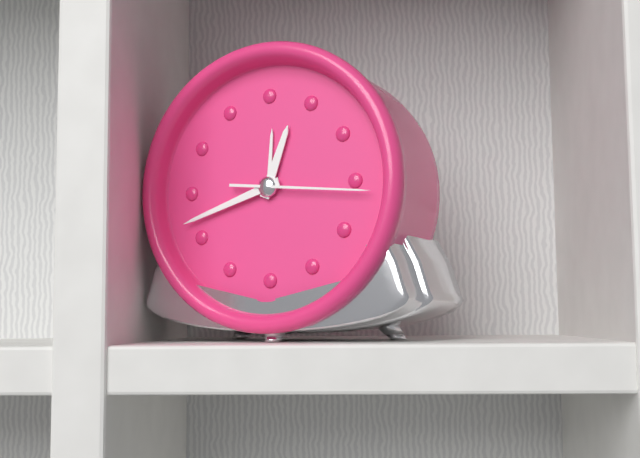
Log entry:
12h42m16s
